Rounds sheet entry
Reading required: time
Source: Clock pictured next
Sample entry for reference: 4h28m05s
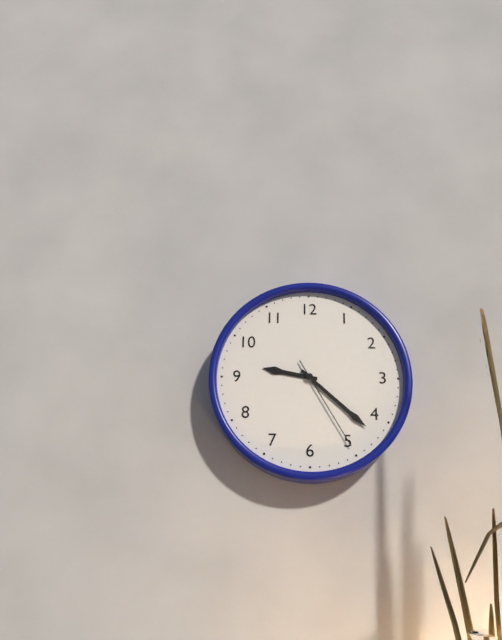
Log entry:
9h22m25s
